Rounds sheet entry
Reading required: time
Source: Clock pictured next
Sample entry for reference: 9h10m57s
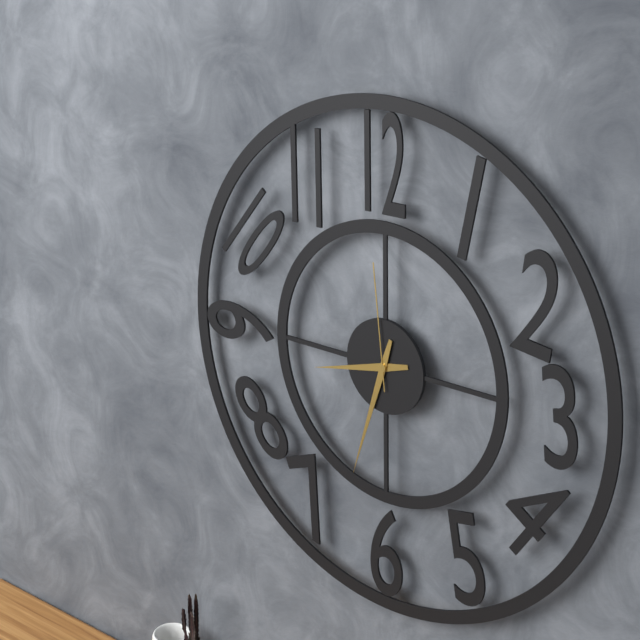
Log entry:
8h33m59s
